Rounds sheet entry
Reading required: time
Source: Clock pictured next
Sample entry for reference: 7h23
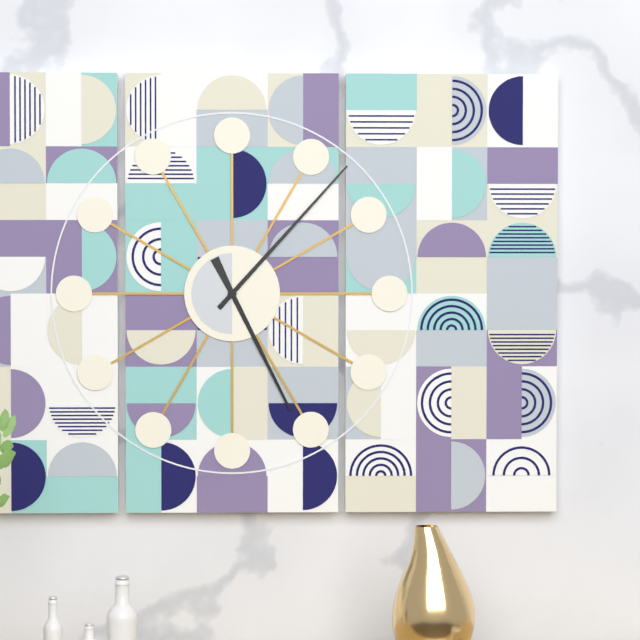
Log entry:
5h07
